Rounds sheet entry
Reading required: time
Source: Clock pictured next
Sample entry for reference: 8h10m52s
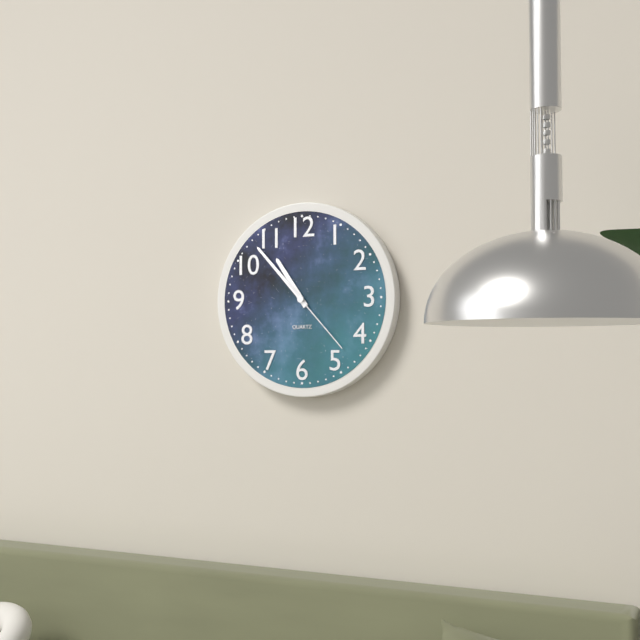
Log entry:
10h53m23s
